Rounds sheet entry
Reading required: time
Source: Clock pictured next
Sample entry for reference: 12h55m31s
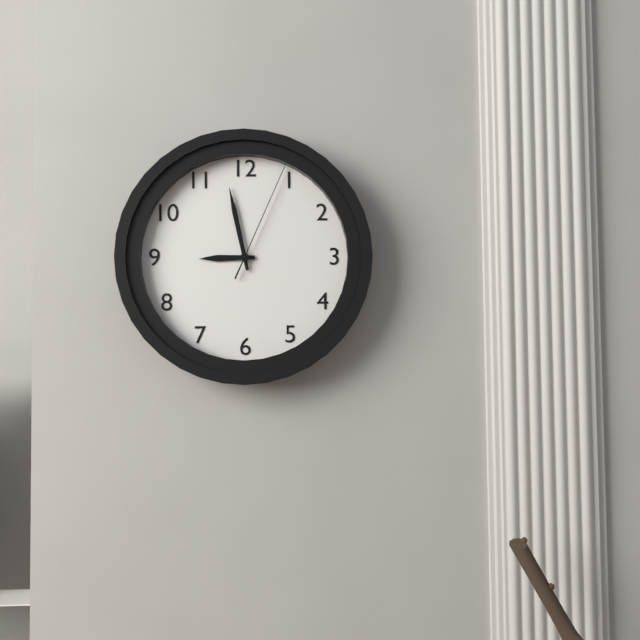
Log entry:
8h58m04s
